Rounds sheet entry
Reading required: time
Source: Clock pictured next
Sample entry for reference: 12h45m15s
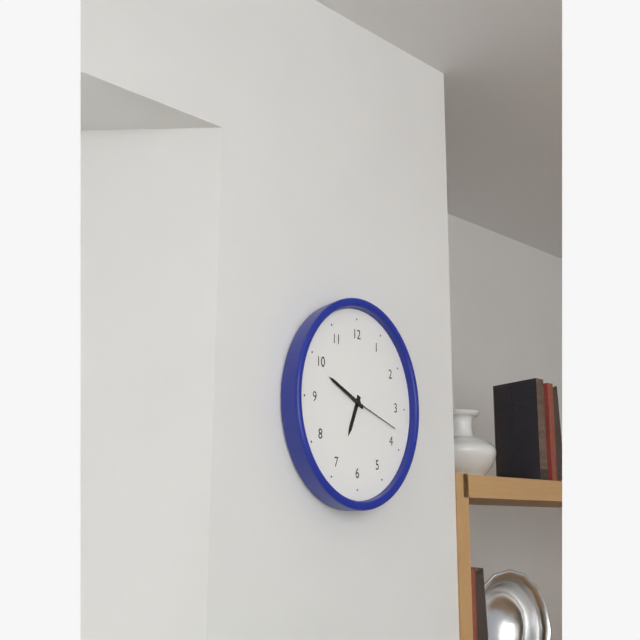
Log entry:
6h49m18s
